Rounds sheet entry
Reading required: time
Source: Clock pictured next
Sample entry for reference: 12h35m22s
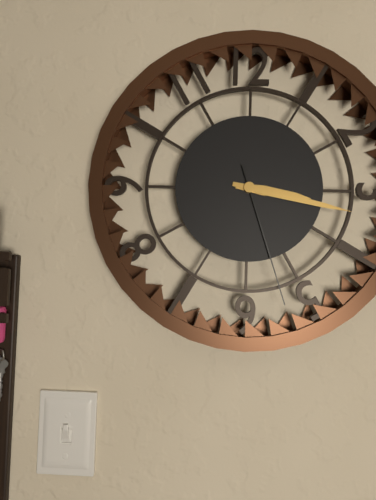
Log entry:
3h17m27s
